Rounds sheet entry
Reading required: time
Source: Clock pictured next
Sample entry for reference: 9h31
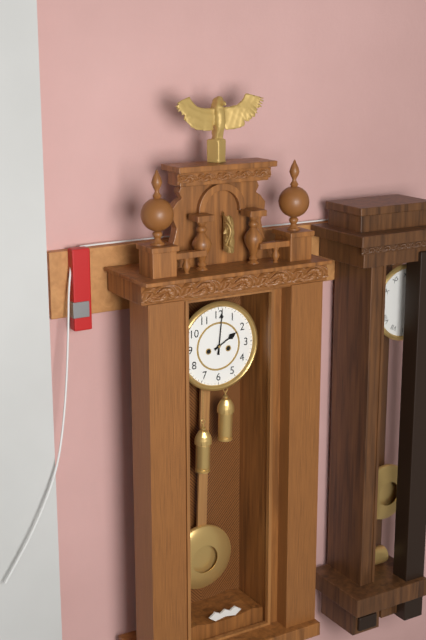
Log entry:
2h01
